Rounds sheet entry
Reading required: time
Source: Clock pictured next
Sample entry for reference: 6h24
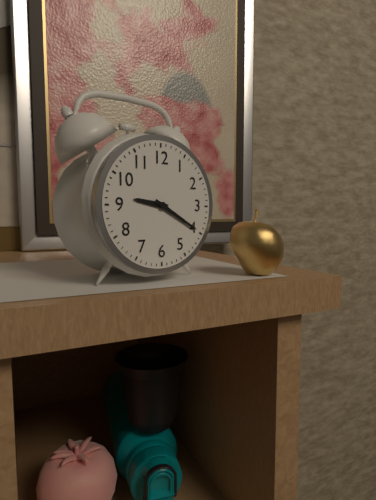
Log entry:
9h20
